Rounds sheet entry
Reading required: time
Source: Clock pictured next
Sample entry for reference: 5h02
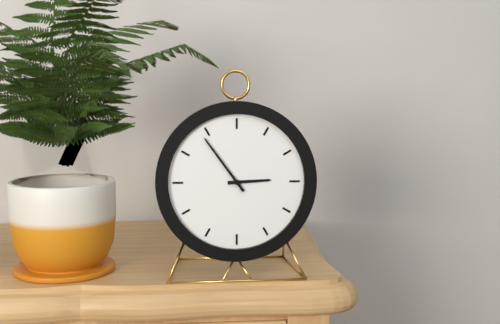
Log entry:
2h54
